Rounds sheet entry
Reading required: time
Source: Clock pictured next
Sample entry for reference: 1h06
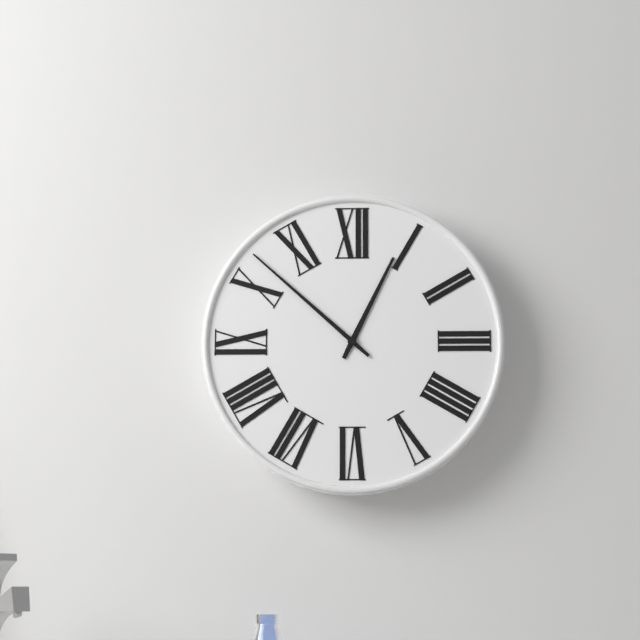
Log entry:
12h52
